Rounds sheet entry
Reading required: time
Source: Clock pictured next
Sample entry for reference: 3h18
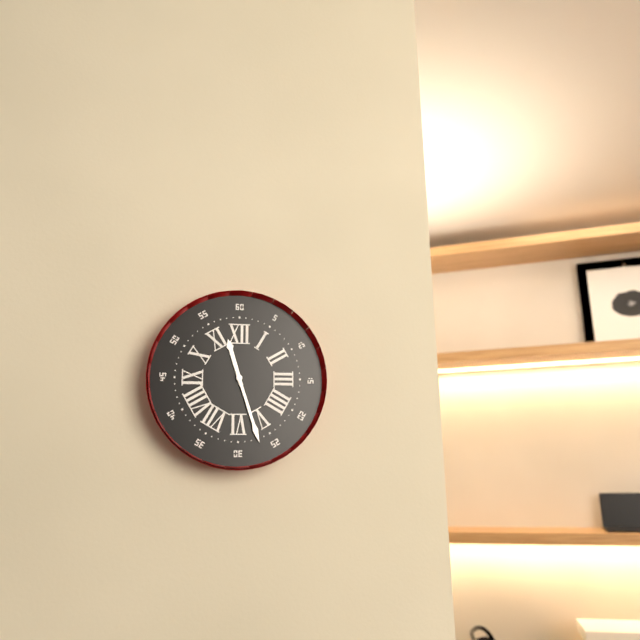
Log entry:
11h27
